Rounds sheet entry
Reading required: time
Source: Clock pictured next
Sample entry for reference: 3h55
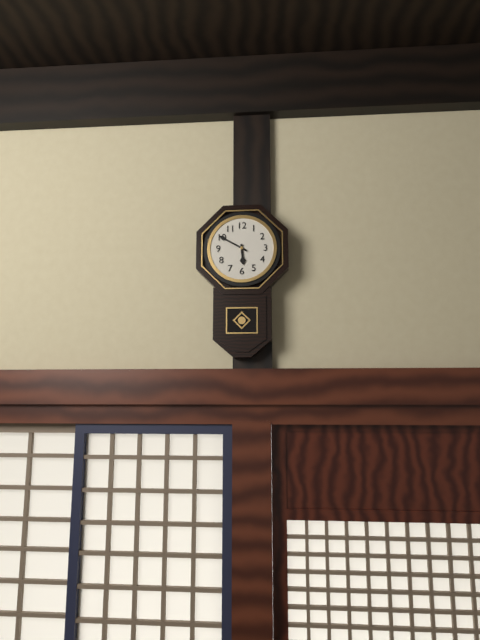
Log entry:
5h50
